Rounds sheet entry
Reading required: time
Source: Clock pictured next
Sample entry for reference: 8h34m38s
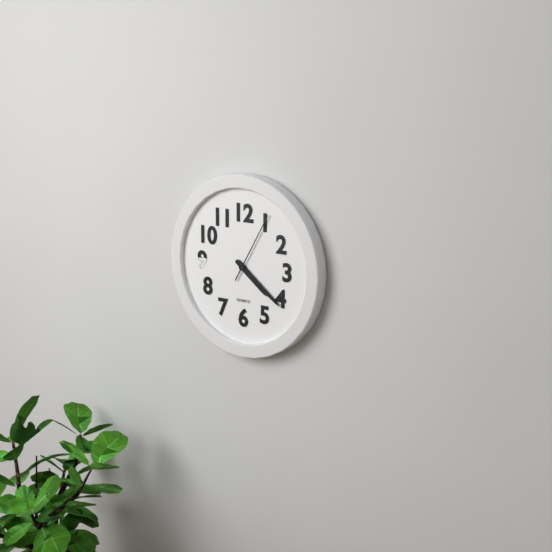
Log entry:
4h21m05s
